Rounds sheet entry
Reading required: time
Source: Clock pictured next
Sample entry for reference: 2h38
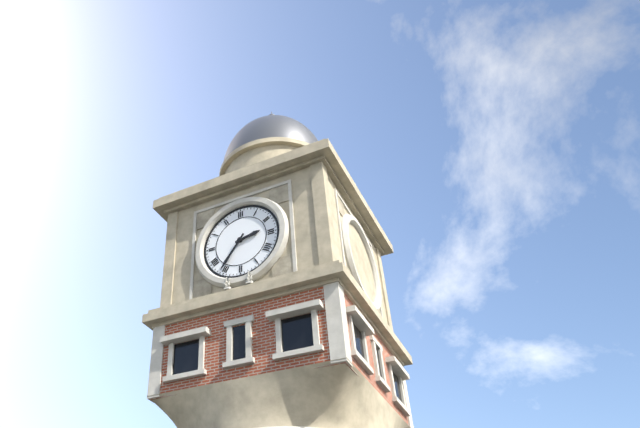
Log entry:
2h36
